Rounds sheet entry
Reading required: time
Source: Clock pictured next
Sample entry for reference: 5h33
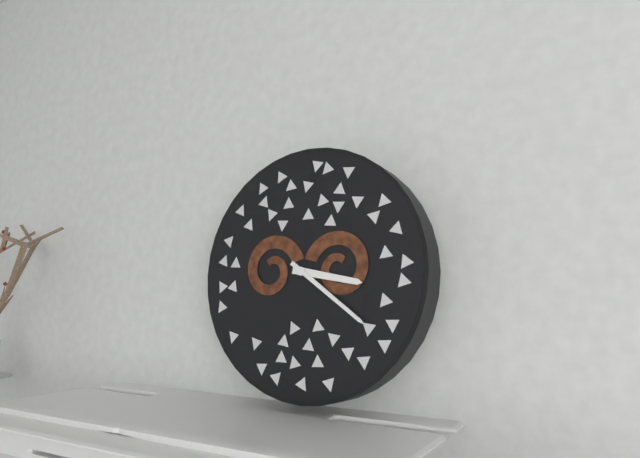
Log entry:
3h21
